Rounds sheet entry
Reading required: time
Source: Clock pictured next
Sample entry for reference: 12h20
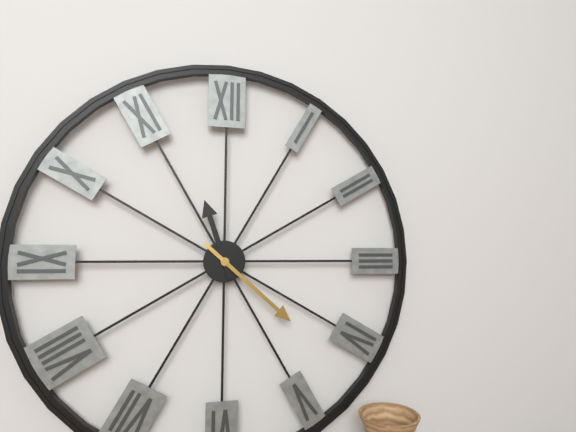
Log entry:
11h22
